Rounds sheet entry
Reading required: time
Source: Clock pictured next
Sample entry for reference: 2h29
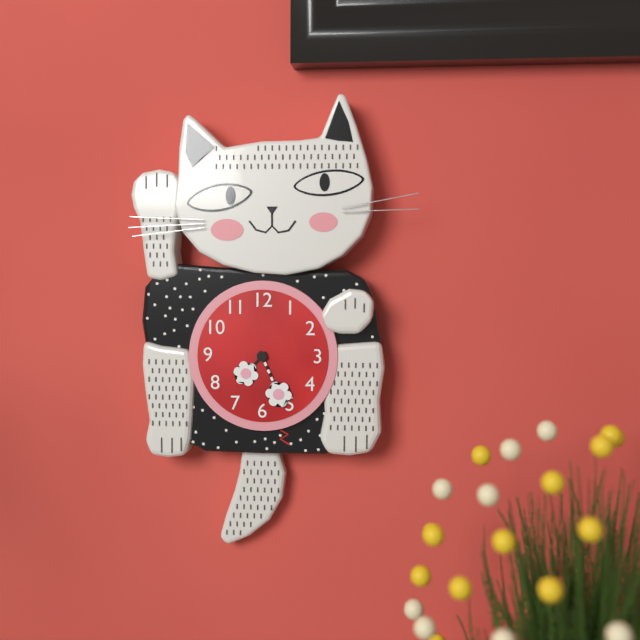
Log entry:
7h26
